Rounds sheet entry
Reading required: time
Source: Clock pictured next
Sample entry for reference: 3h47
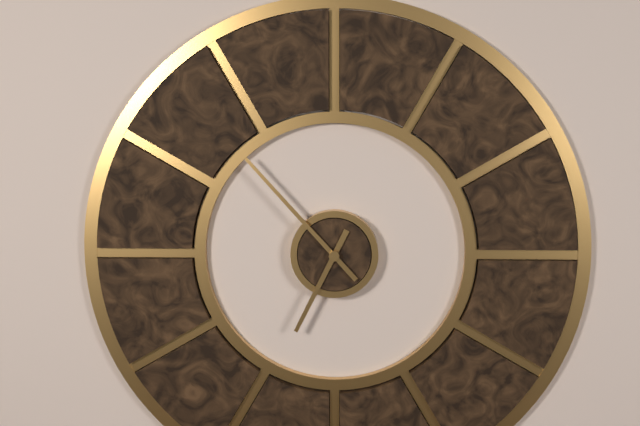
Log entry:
6h53
